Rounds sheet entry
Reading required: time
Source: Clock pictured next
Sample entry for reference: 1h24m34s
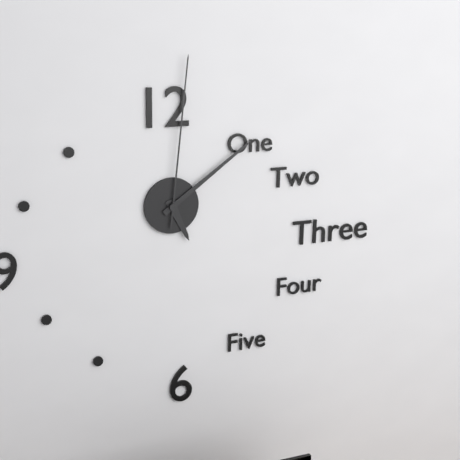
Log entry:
5h09m01s
